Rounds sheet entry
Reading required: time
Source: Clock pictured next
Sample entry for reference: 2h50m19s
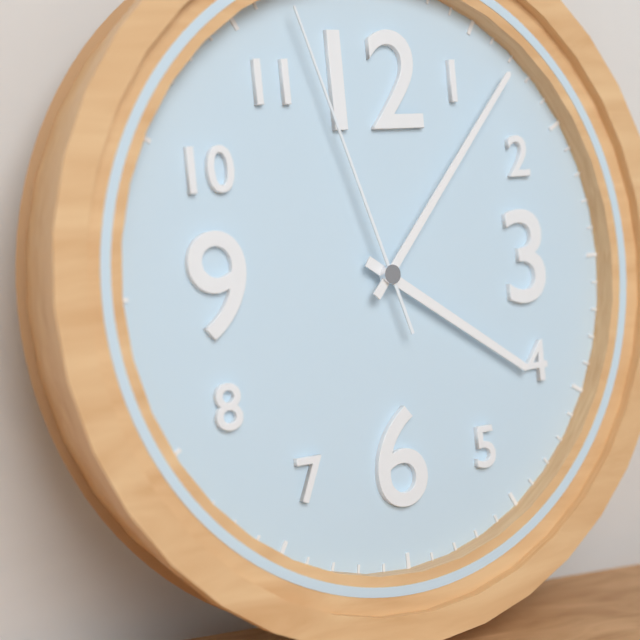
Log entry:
4h07m57s
